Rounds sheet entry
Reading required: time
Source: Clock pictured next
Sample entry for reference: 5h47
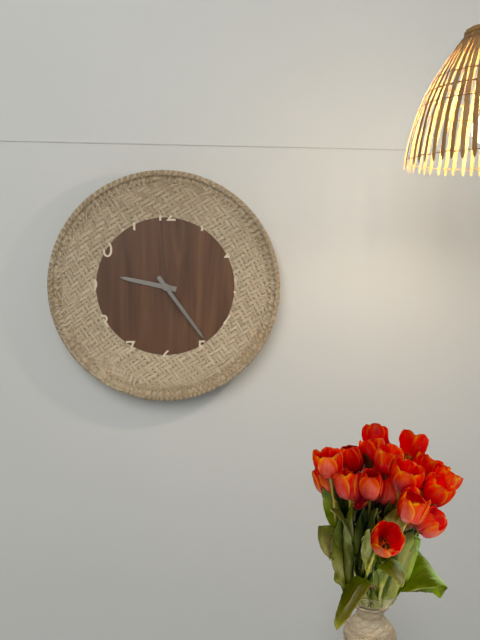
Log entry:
9h24
